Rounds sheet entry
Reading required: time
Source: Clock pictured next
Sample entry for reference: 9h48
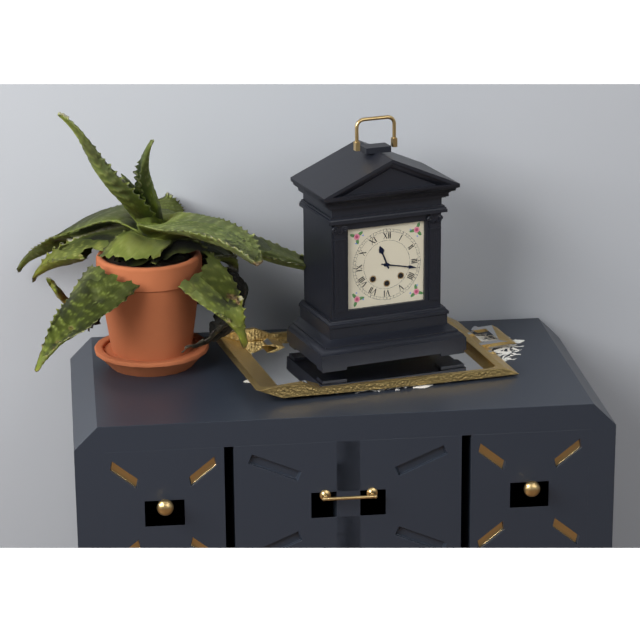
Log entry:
11h17
